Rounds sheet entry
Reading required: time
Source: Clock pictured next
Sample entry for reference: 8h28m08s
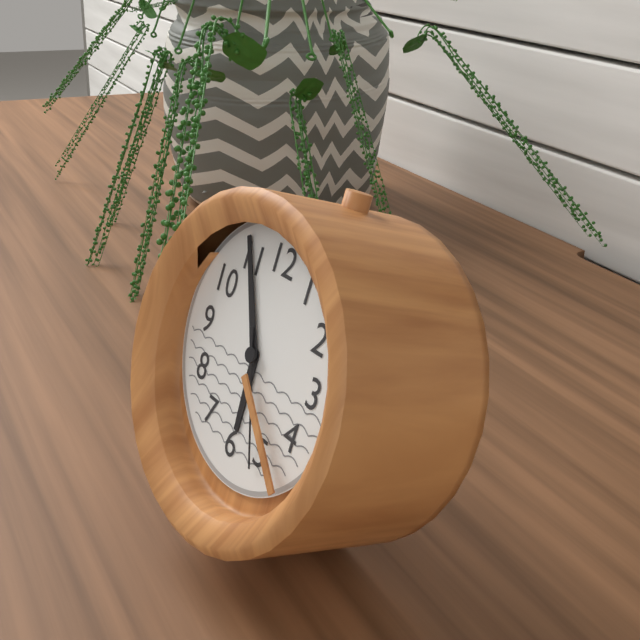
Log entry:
5h55m26s
